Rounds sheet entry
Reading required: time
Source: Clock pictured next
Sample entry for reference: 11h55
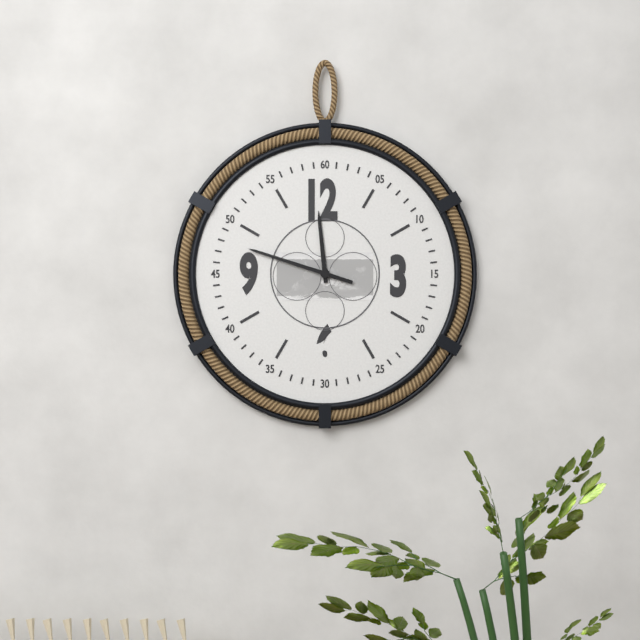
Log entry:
11h48
